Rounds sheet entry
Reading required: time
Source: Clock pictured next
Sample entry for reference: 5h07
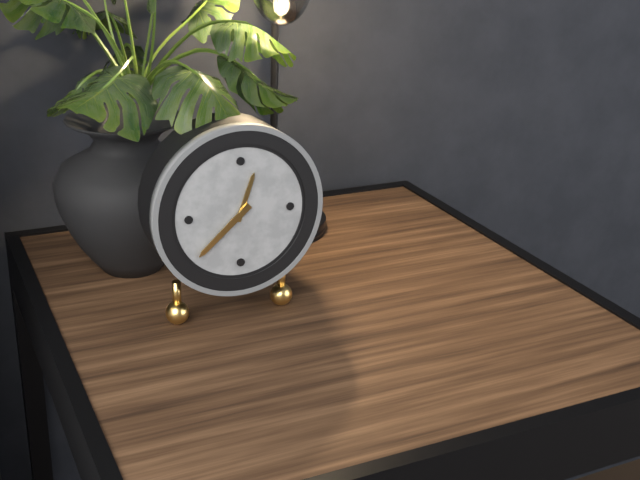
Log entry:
12h38
